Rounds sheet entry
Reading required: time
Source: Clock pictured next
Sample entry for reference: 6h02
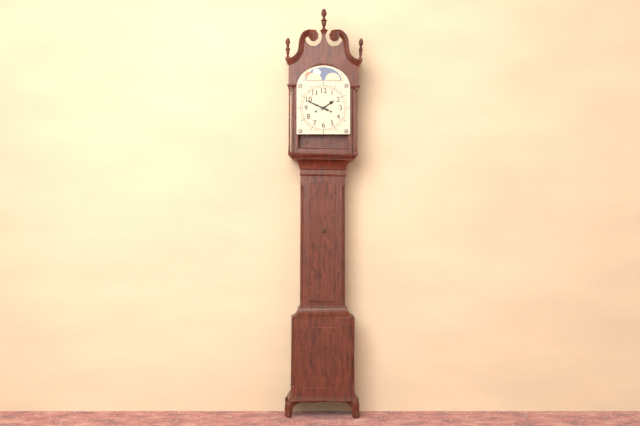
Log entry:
1h49
